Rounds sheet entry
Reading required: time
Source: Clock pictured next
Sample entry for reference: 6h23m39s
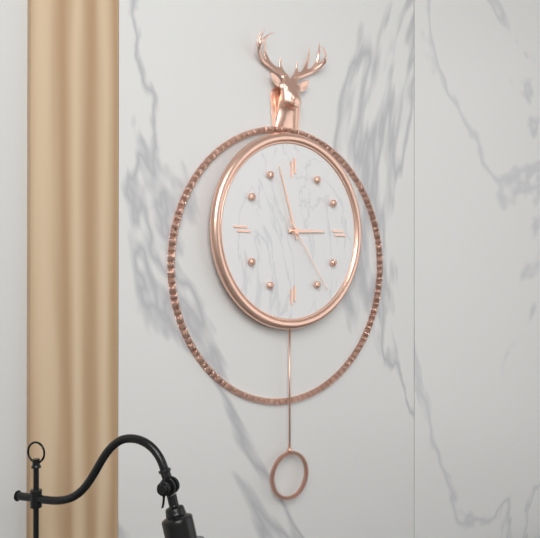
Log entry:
2h57m24s
